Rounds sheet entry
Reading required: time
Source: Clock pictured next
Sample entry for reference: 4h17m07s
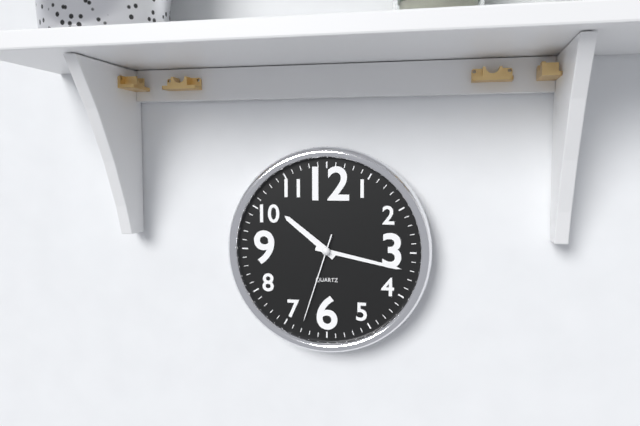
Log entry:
10h17m33s
